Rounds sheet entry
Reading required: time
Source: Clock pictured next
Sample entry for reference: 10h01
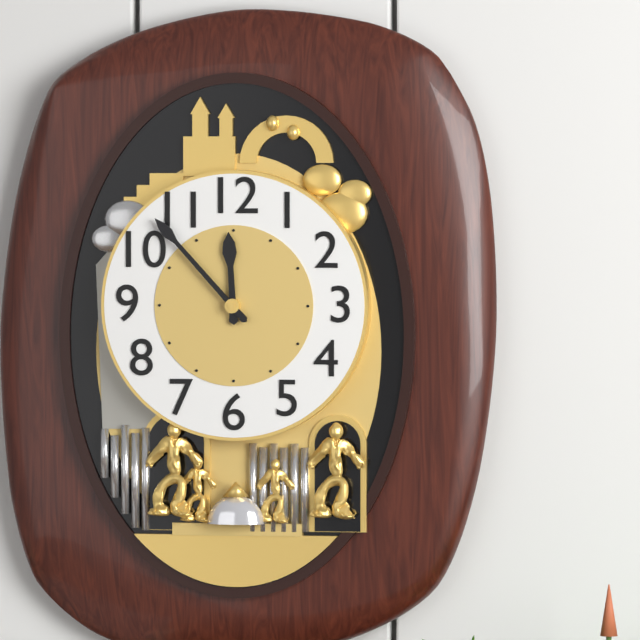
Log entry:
11h53
